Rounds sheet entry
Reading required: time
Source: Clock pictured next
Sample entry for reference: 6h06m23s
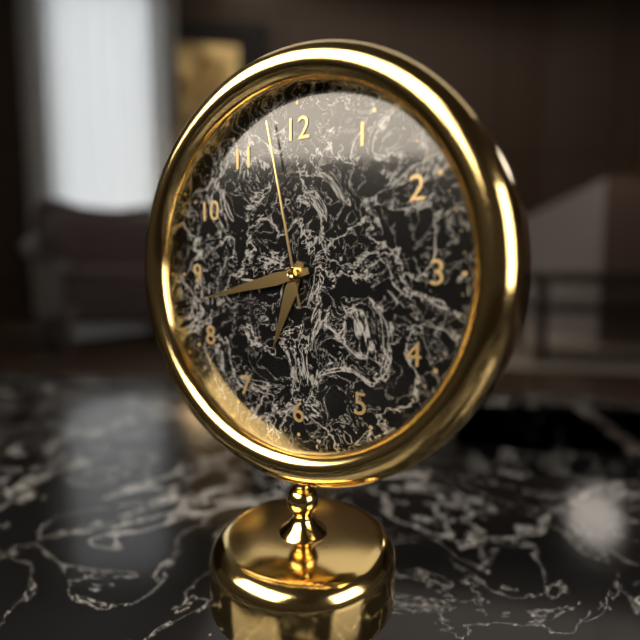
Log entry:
6h43m58s
